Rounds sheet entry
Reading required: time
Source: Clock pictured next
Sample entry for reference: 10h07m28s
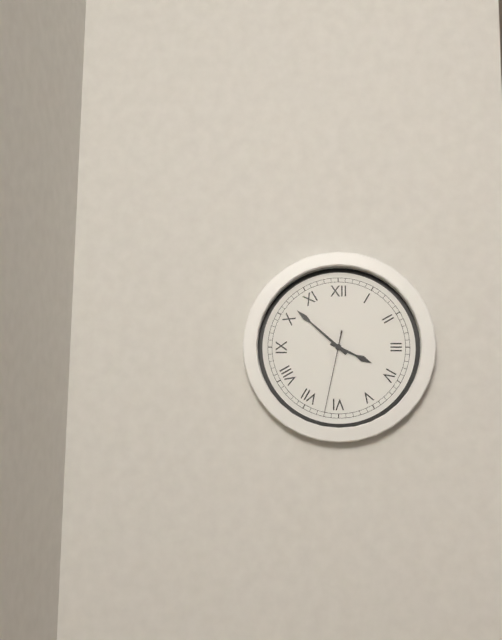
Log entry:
3h52m32s
